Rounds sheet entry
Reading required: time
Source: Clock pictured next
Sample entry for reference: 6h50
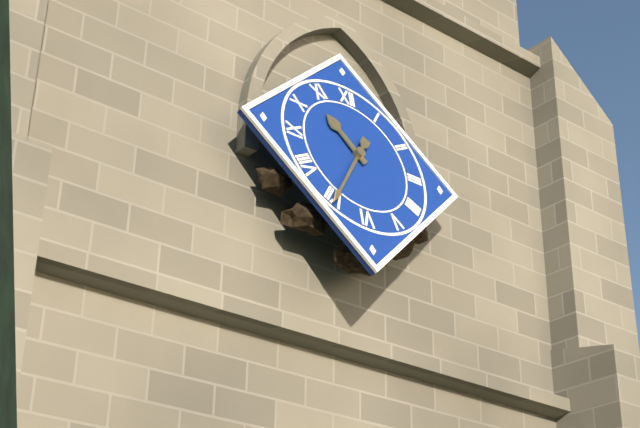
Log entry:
10h35
